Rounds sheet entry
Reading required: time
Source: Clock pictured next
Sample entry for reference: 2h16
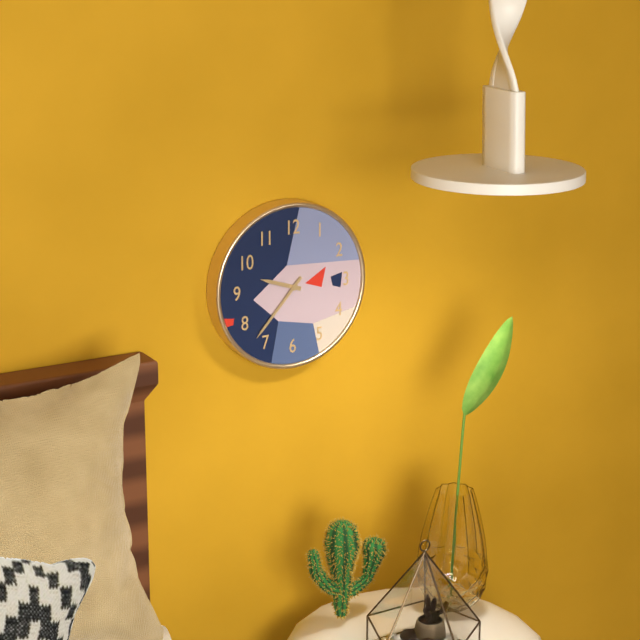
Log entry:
9h37
